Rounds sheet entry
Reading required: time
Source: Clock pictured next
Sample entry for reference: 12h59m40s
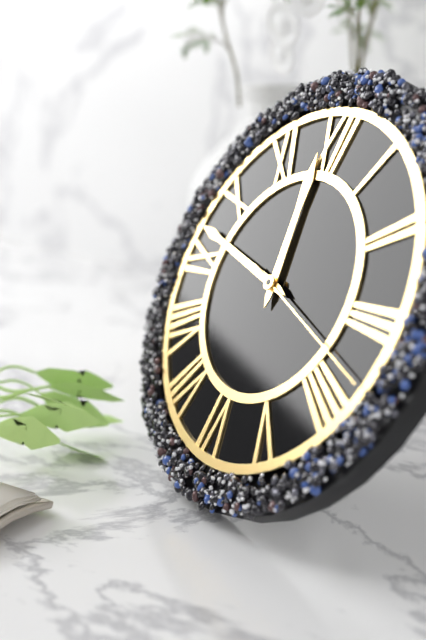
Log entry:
11h47m18s
